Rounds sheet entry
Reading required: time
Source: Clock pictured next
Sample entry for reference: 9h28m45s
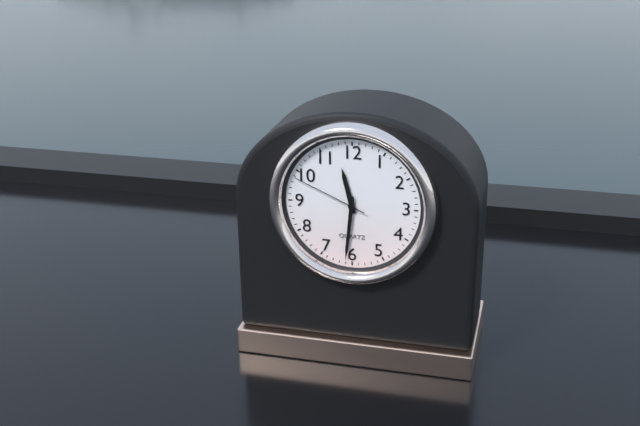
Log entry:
11h31m49s
